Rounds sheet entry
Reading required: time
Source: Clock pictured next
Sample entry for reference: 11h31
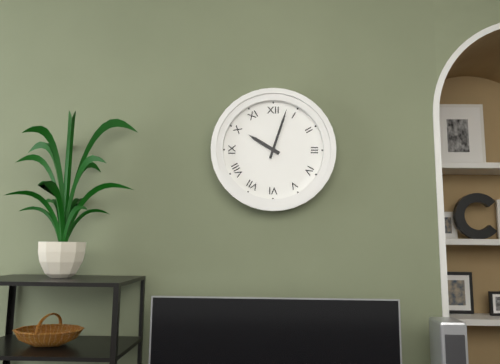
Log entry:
10h03
